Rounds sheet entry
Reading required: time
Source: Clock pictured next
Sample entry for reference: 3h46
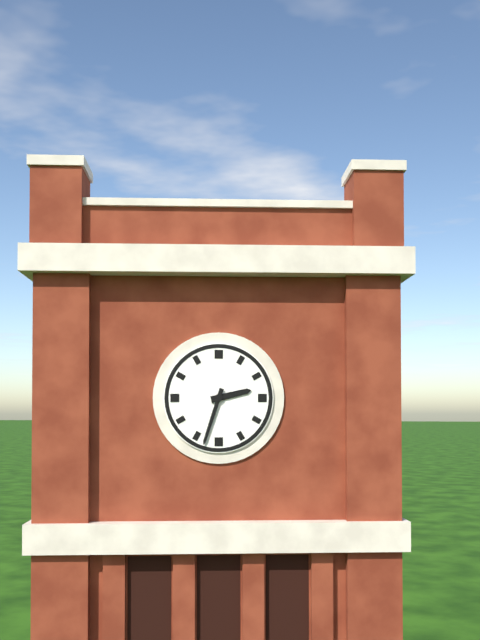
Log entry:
2h33
